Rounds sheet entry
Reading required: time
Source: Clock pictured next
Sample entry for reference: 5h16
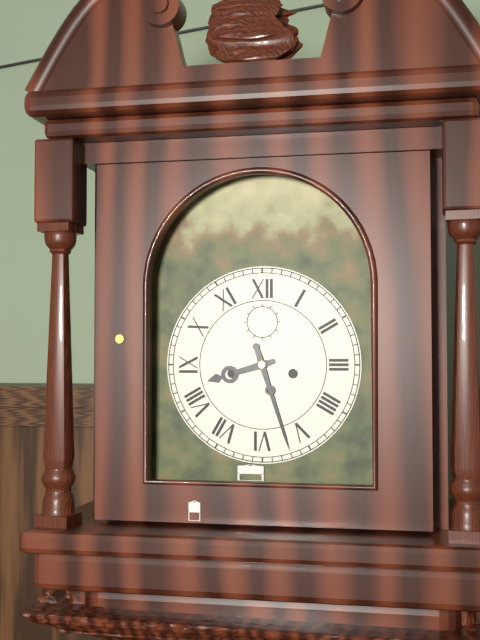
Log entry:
8h27
